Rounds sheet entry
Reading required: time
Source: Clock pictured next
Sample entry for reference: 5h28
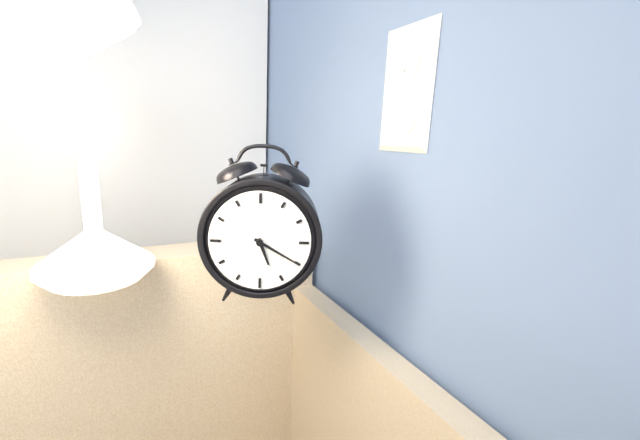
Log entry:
5h20
